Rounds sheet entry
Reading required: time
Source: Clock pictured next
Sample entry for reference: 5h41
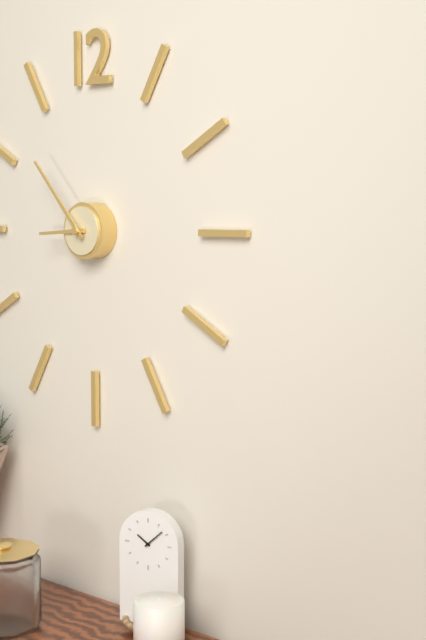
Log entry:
8h53
